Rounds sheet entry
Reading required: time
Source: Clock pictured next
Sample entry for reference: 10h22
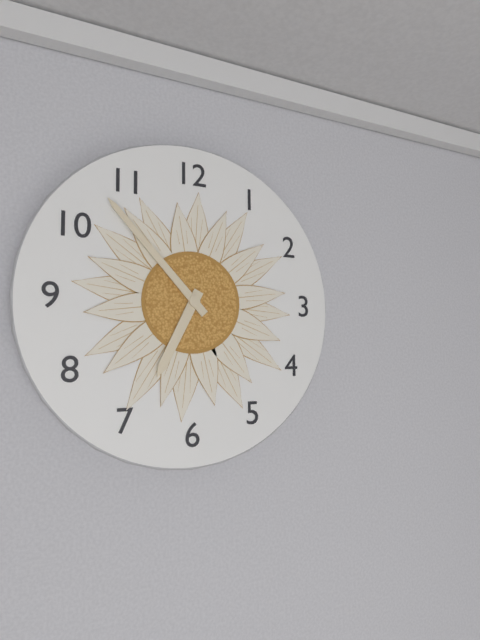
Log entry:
6h53
